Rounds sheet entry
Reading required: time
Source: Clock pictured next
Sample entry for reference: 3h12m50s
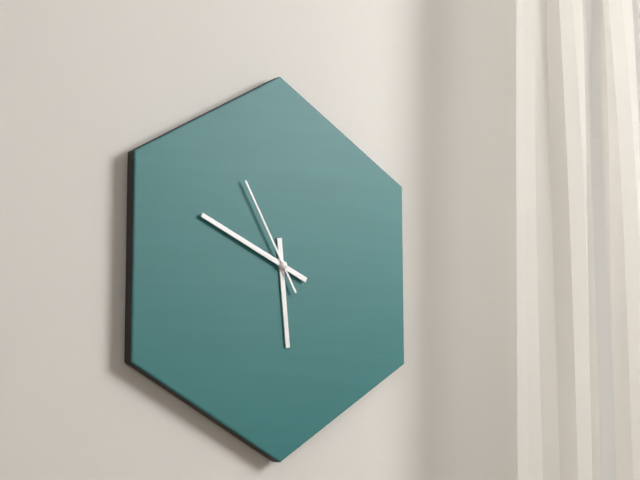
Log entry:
5h49m55s
